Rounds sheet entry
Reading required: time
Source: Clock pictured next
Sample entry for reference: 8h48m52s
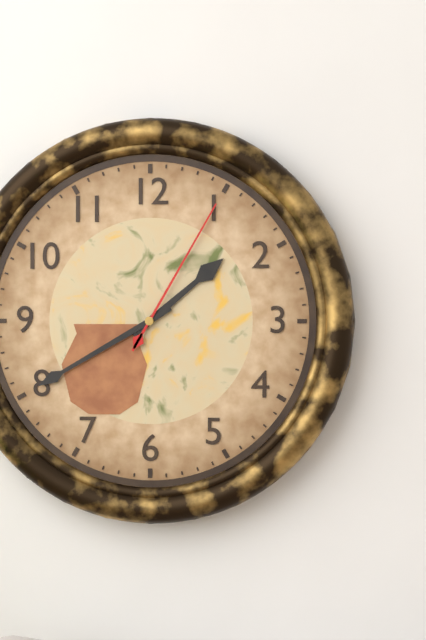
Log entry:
1h40m05s
